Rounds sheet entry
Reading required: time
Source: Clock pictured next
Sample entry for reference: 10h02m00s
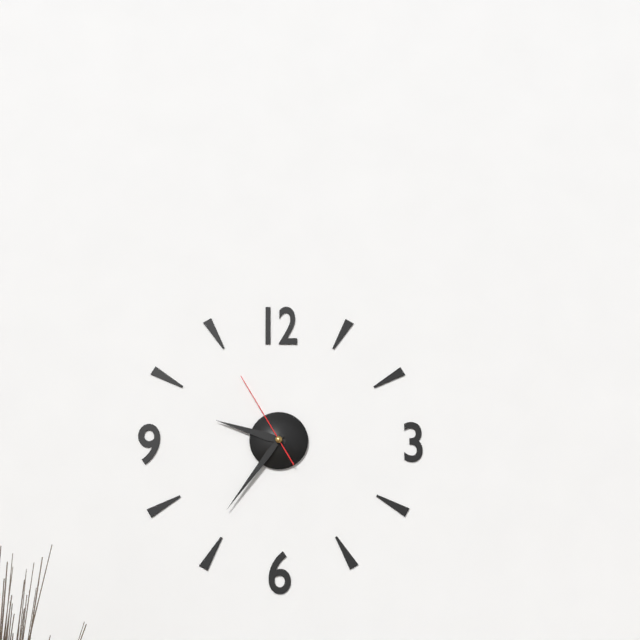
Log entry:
9h36m55s
